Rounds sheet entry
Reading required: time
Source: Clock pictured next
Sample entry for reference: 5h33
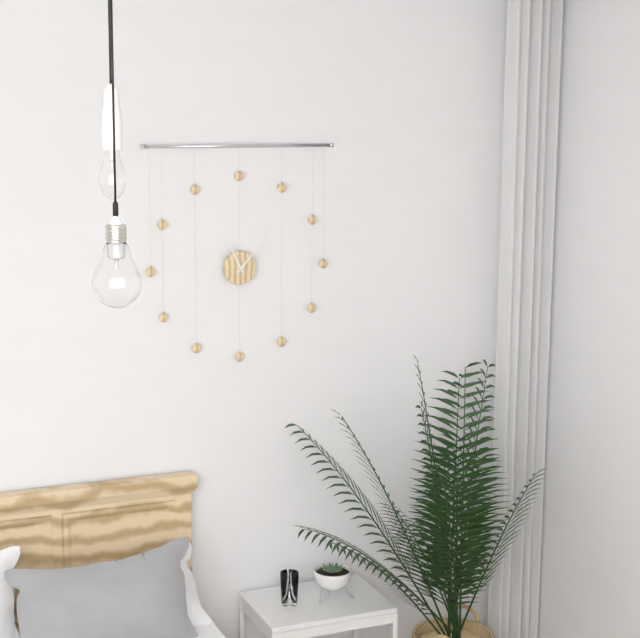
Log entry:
11h07
